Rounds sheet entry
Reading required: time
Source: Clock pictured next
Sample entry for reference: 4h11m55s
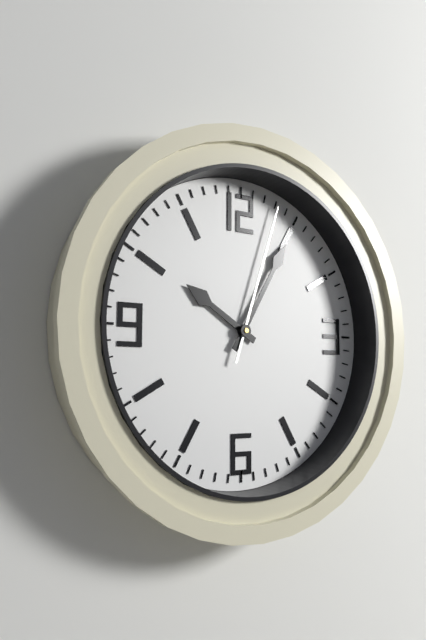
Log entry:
10h05m03s
